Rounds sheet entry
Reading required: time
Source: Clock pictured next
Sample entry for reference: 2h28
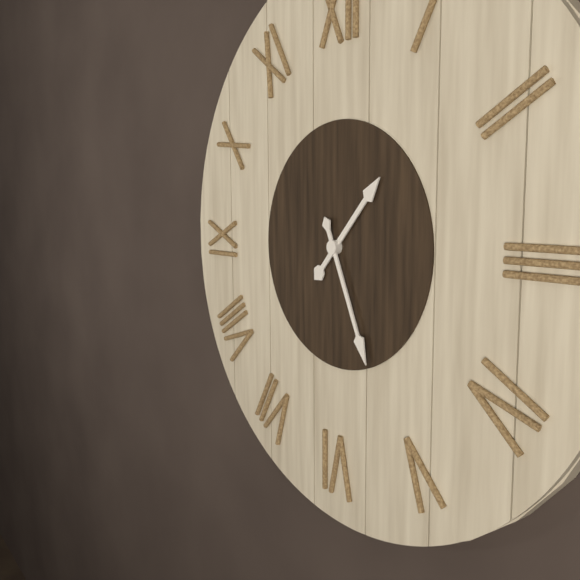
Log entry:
1h26
